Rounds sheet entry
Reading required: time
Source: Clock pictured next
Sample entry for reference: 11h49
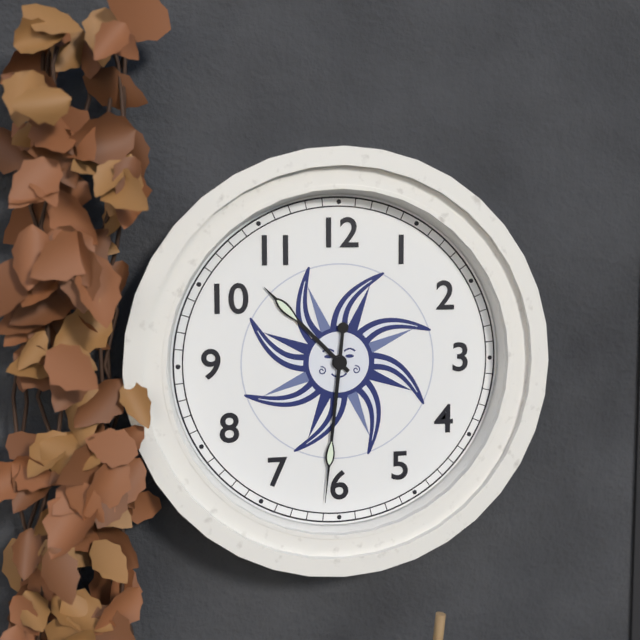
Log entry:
10h31
